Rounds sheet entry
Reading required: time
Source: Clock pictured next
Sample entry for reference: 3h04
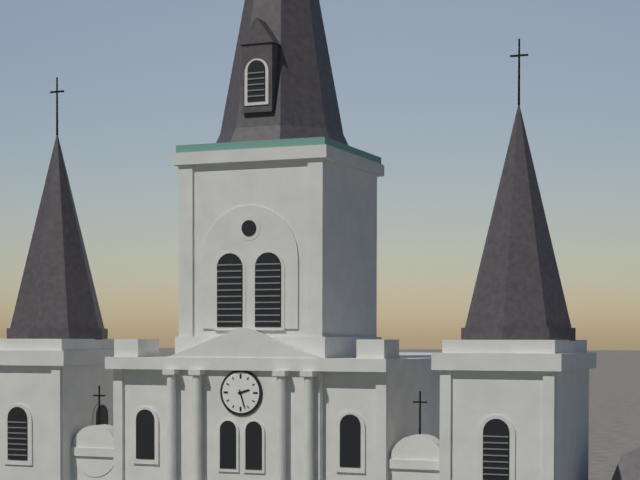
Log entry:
2h27
